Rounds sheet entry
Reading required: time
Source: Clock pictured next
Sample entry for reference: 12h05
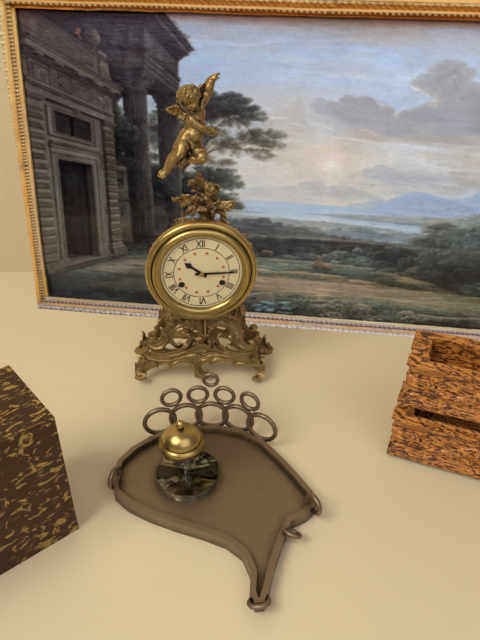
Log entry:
10h15
